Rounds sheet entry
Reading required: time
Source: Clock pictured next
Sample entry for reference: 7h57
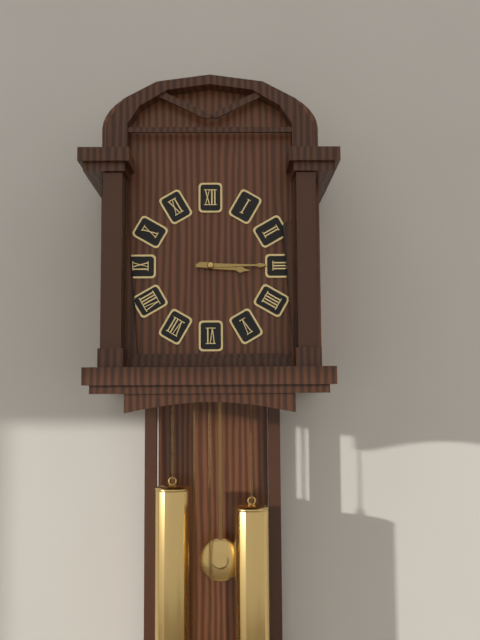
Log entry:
3h15
